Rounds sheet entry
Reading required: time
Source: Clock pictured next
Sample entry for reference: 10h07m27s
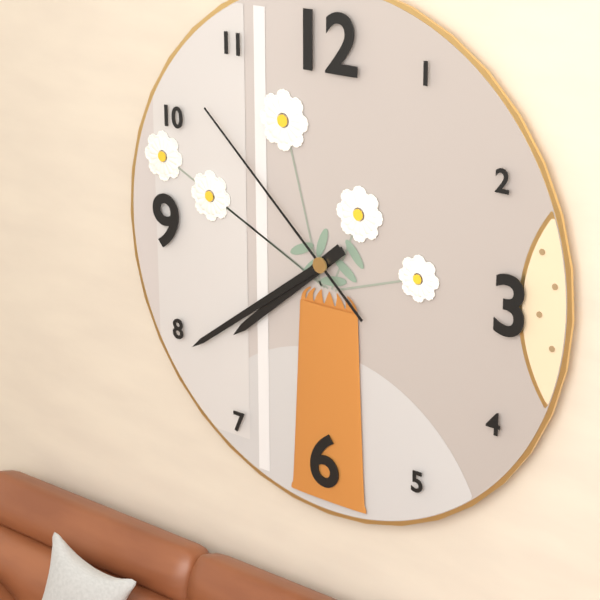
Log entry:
7h39m52s
